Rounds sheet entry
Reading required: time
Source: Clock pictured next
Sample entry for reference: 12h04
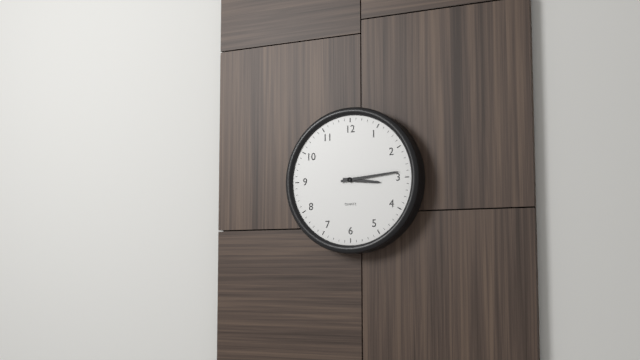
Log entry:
3h14
